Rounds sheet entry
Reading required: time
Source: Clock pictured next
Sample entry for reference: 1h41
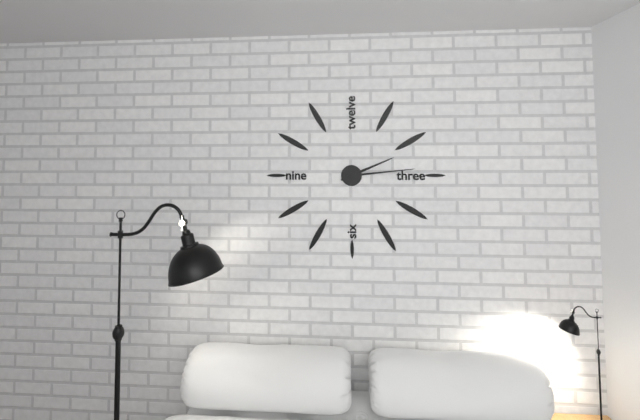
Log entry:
2h14
